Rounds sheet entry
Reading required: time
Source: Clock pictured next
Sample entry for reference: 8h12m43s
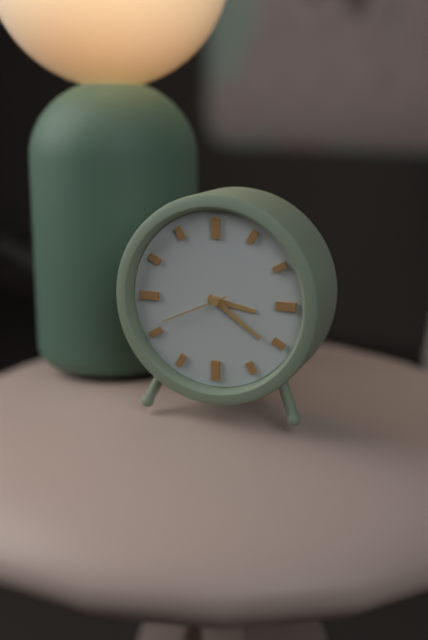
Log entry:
3h21m41s
